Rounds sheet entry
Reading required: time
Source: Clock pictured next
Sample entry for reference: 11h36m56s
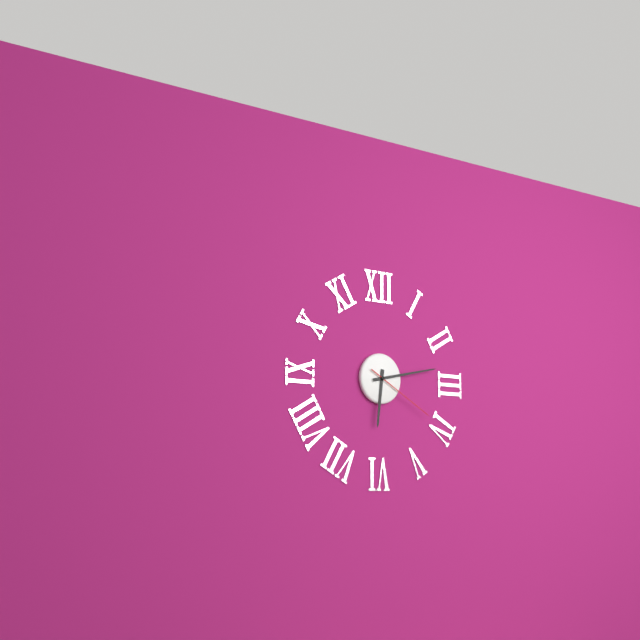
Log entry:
6h13m20s
